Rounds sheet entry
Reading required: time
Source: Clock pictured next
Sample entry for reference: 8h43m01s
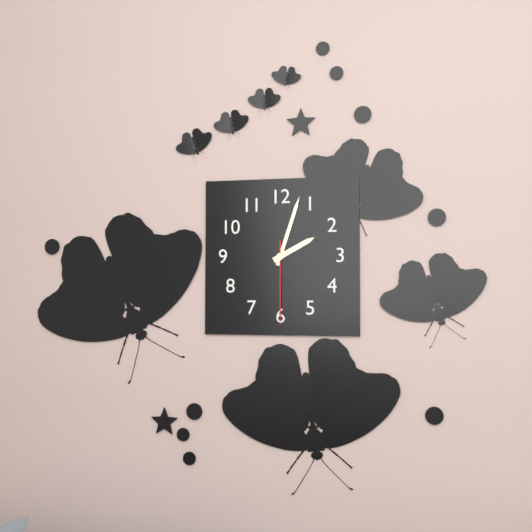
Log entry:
2h03m30s
